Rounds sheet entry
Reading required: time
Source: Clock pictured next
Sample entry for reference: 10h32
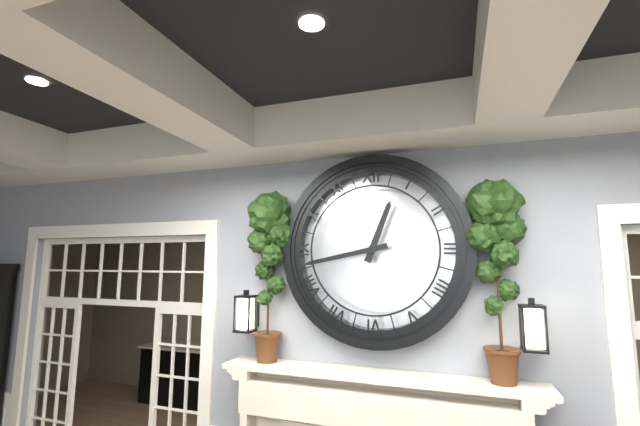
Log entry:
12h43
